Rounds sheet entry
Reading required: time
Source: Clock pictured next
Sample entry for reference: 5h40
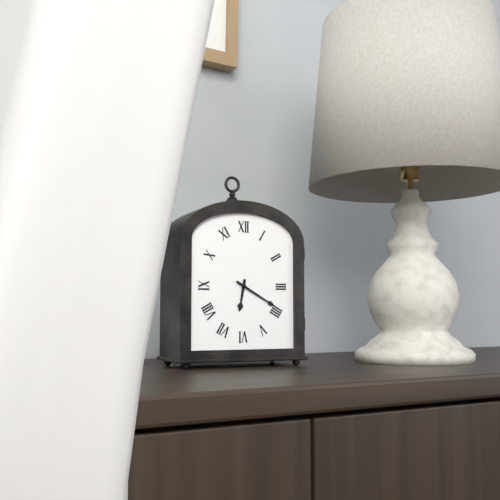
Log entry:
6h20
